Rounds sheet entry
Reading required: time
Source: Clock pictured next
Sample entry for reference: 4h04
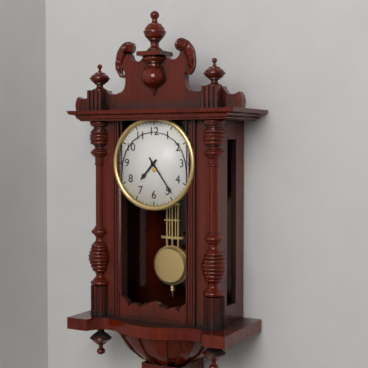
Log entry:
7h24
